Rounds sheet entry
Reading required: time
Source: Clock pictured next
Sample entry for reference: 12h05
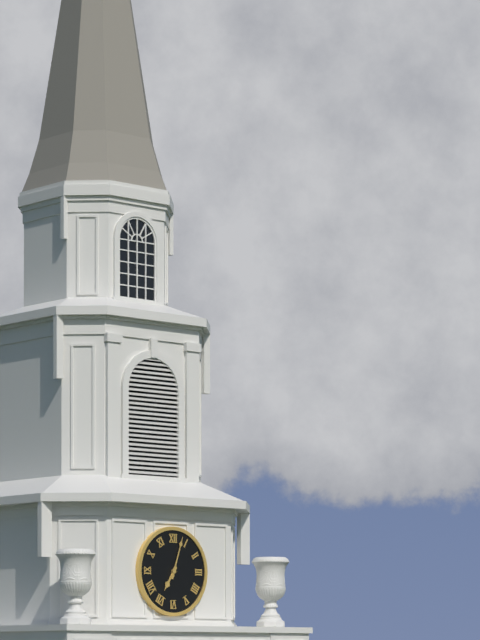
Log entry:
7h03
